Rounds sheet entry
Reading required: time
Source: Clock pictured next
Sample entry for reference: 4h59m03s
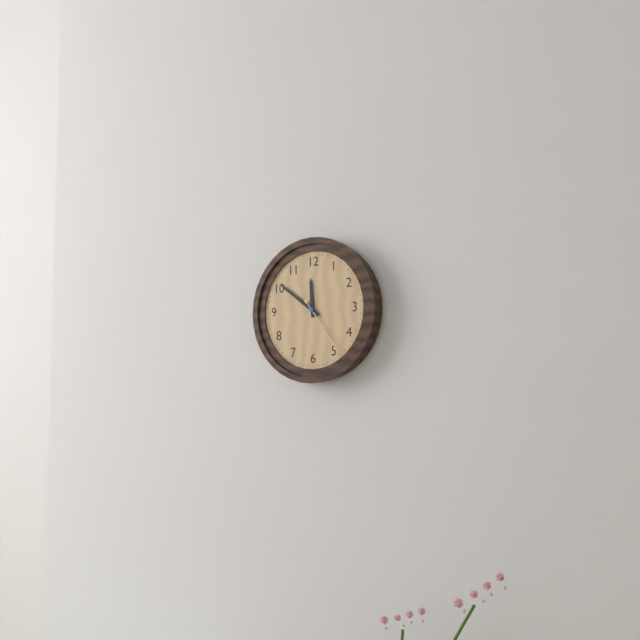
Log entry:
11h51m24s
